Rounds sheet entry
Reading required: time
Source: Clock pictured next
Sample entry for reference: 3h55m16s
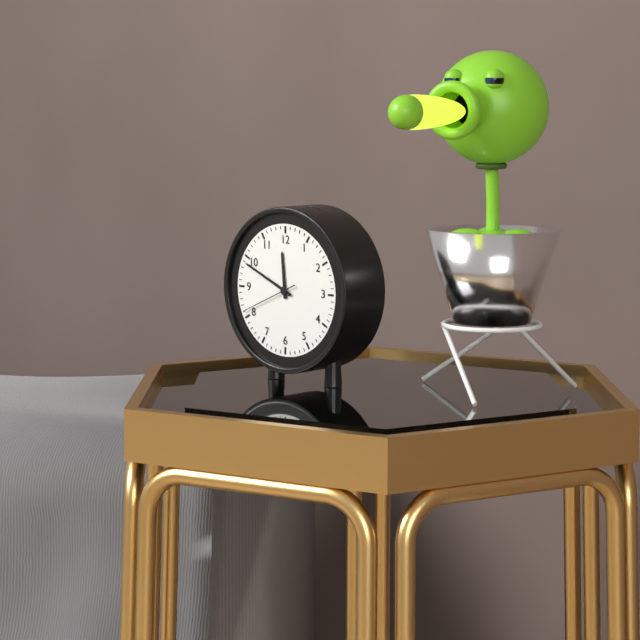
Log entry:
11h49m41s
